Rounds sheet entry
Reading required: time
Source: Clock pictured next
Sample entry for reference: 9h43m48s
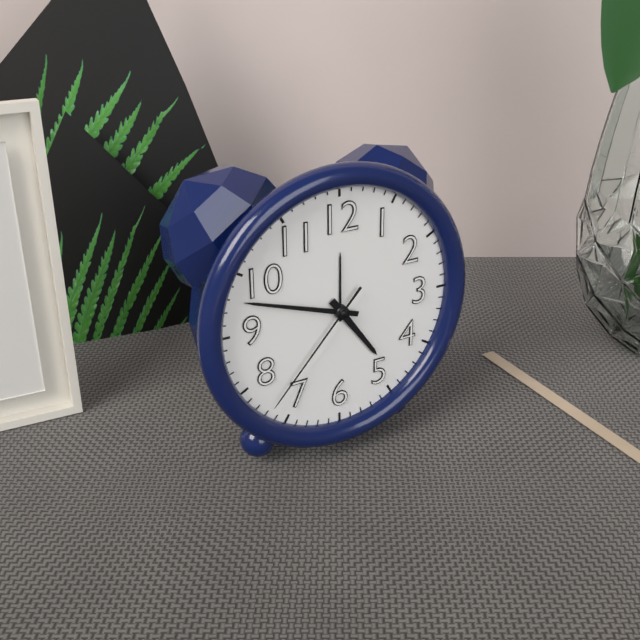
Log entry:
4h48m37s
